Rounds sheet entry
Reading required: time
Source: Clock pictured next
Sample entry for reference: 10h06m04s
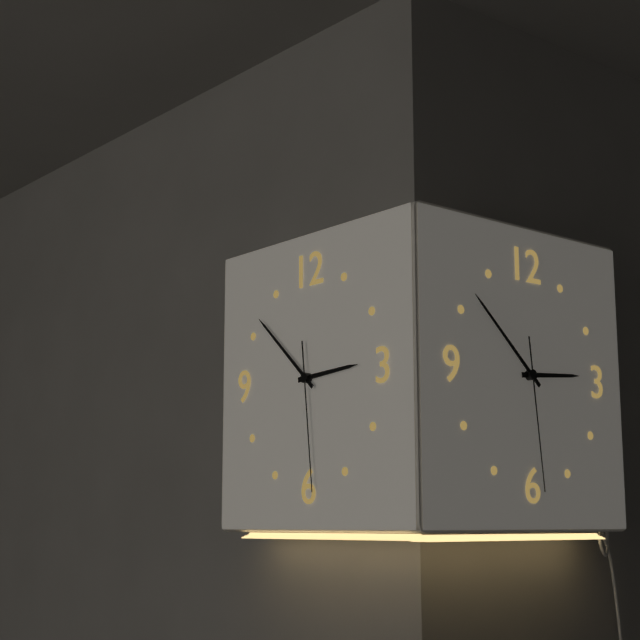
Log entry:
2h52m29s
